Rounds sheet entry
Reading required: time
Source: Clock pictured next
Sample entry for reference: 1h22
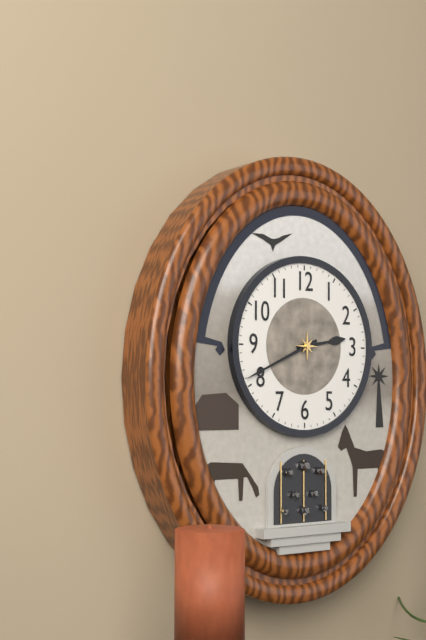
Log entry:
2h41
